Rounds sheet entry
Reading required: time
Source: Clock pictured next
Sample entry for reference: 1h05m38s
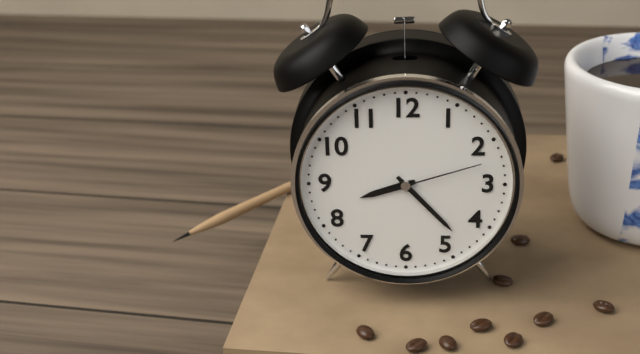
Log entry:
8h23m12s
